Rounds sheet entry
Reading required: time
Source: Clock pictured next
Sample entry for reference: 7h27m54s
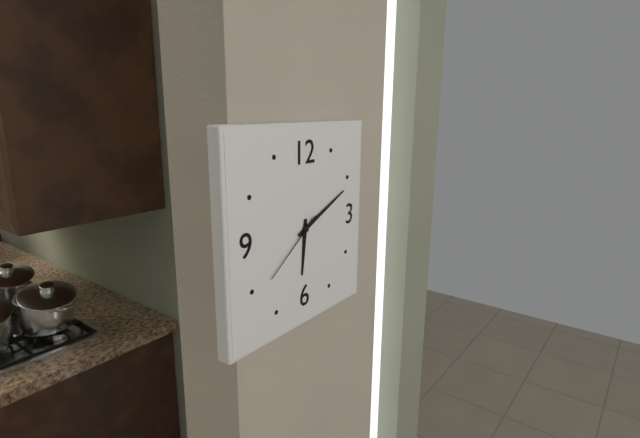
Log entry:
6h11m39s
